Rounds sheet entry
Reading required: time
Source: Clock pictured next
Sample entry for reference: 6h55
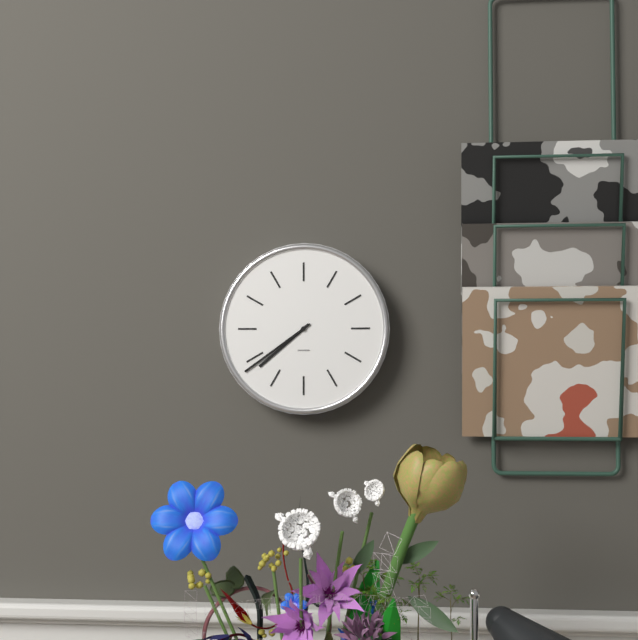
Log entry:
7h39
